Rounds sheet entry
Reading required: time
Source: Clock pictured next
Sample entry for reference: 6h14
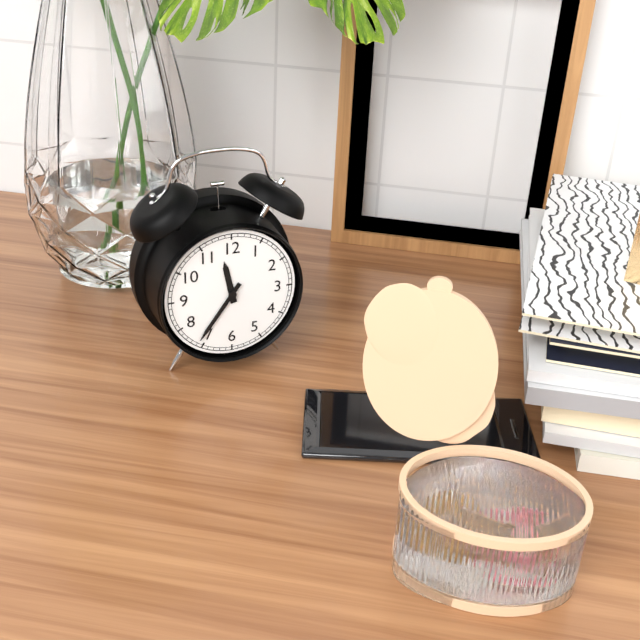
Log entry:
11h36
